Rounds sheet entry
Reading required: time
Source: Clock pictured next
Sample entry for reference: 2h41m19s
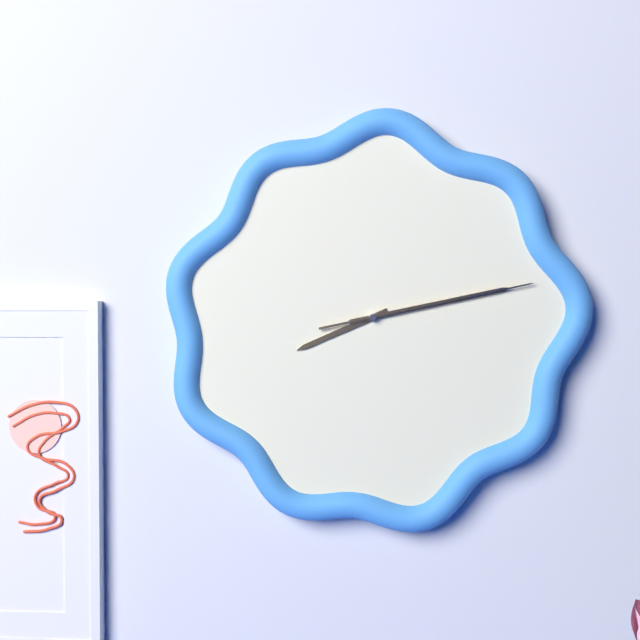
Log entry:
8h13m13s
